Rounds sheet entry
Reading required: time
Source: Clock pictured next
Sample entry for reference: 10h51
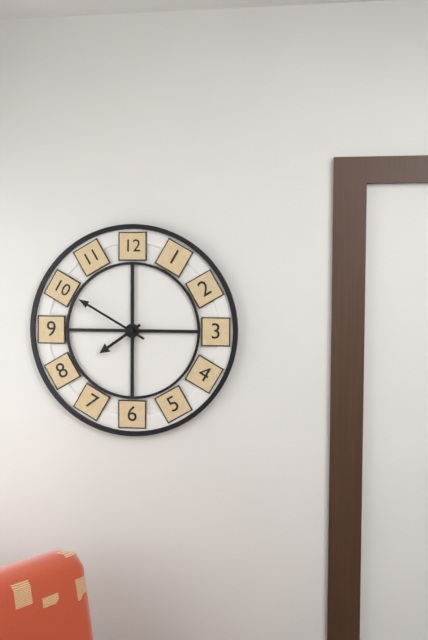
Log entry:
7h50
